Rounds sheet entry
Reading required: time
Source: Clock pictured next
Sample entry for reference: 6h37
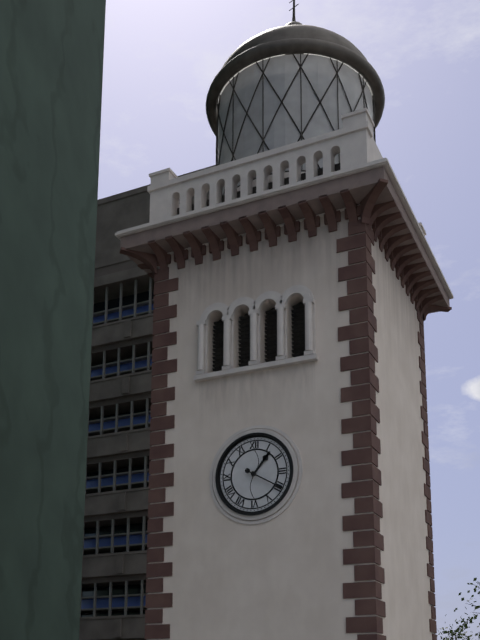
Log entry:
1h20
